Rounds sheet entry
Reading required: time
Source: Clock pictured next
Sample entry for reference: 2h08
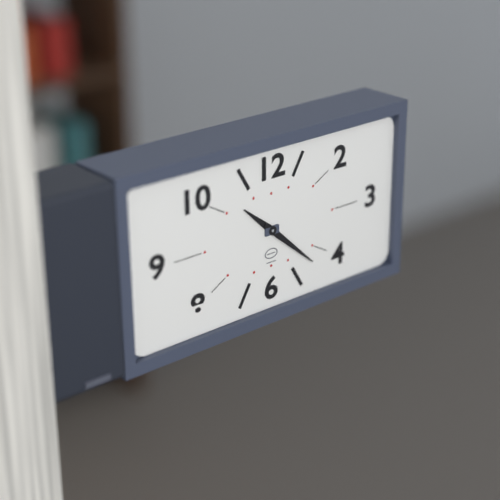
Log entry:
10h22
